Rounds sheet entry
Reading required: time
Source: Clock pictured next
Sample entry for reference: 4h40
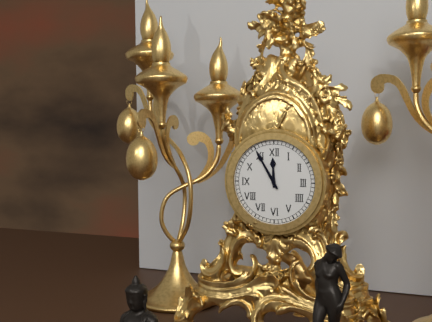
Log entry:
11h55
